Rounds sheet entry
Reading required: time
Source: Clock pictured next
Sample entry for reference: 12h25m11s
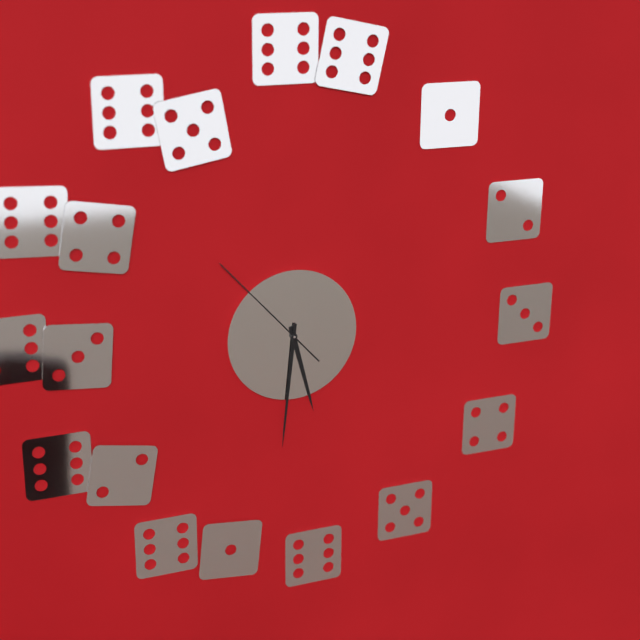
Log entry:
5h31m53s
